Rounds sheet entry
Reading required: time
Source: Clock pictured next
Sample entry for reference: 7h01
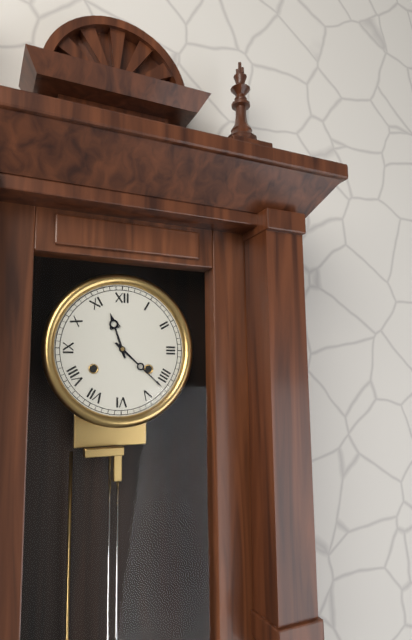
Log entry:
11h22
